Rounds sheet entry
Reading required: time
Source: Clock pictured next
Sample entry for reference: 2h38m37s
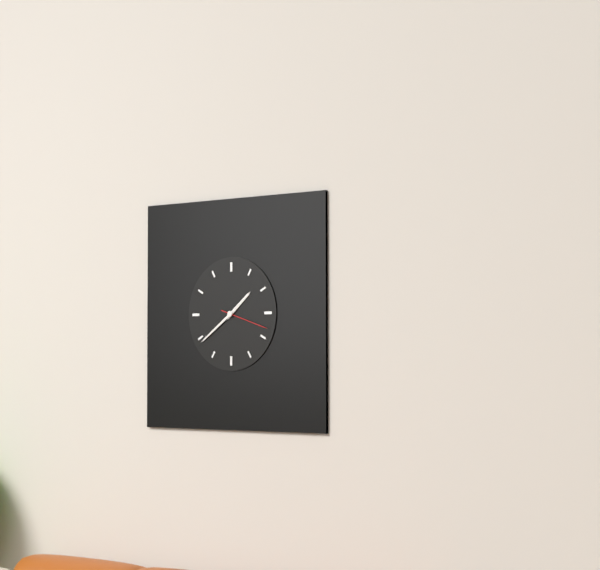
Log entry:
1h39m18s
